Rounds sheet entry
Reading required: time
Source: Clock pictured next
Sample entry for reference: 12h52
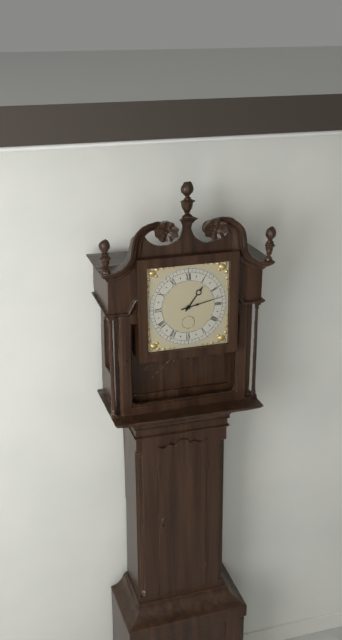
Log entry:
1h13
